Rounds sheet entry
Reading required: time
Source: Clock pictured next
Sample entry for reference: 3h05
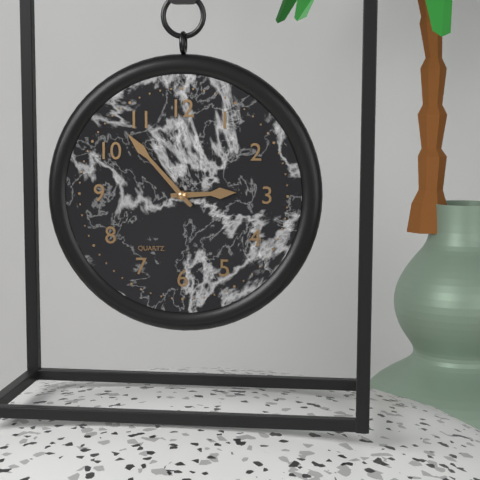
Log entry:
2h53
